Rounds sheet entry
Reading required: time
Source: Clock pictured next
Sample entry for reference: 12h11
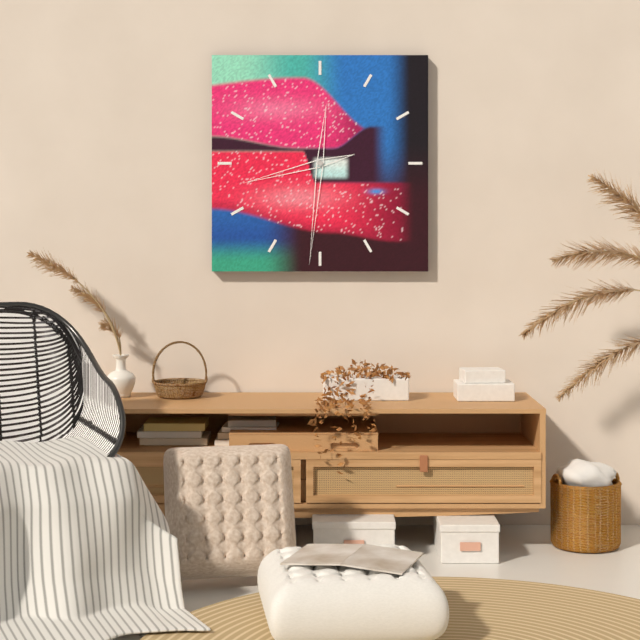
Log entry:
8h31
